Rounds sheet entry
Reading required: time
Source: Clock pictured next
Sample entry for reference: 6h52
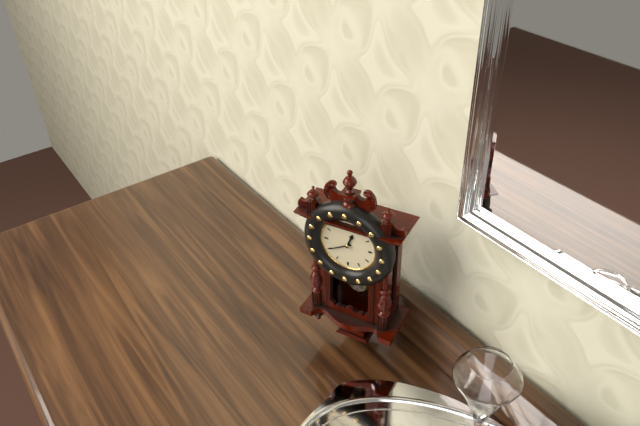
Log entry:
12h40
